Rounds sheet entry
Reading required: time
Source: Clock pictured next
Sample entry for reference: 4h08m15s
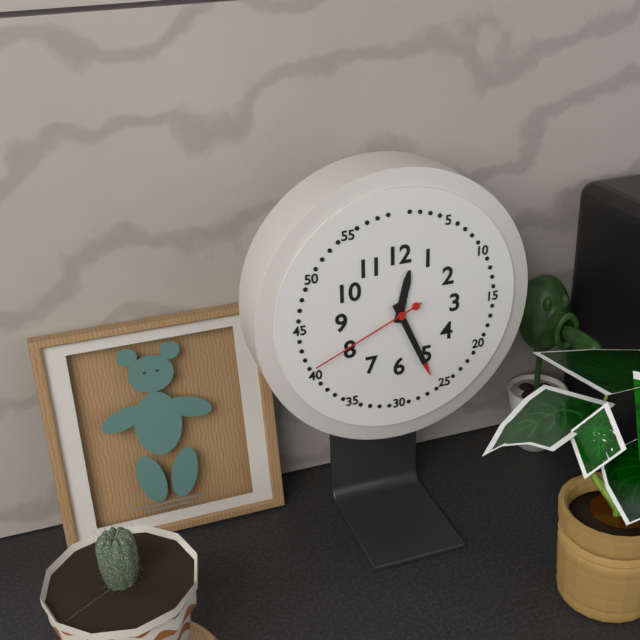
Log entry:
12h26m41s
